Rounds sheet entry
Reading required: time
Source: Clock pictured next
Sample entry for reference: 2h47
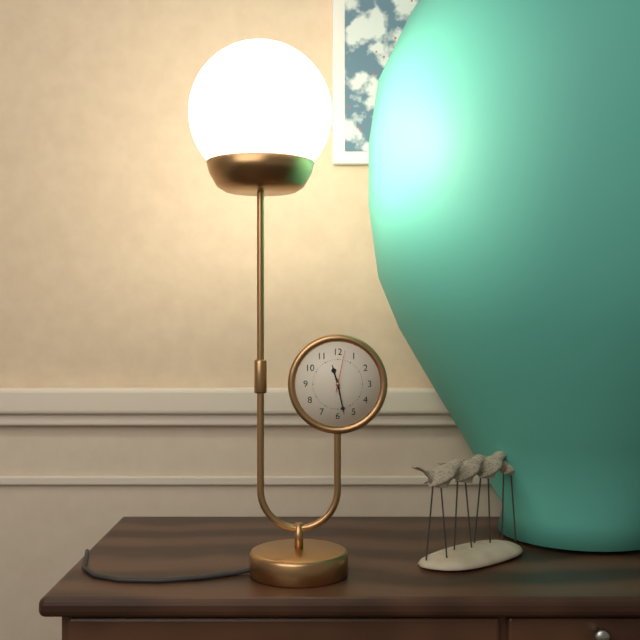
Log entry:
11h28
